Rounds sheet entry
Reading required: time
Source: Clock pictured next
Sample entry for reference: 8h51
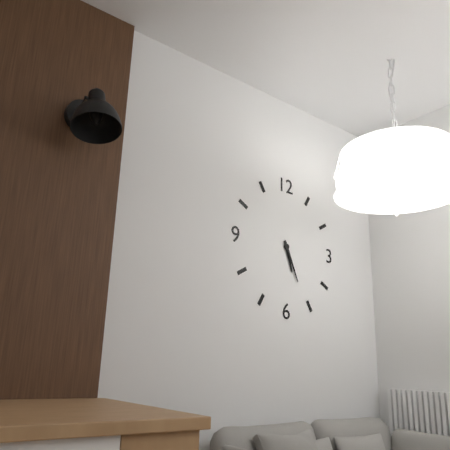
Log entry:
5h26
